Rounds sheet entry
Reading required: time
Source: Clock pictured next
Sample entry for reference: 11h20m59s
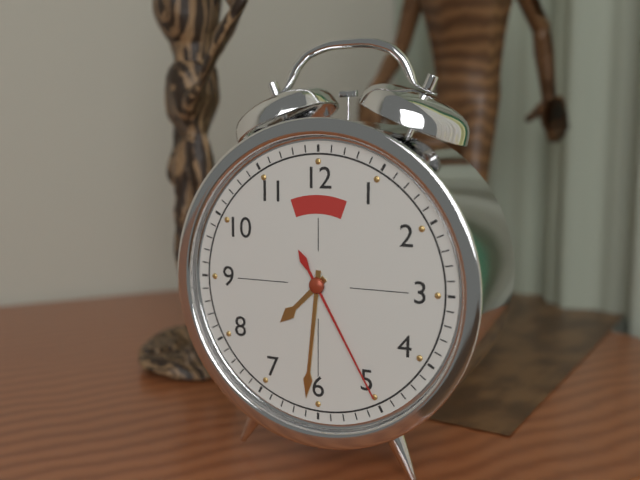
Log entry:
7h31m25s
